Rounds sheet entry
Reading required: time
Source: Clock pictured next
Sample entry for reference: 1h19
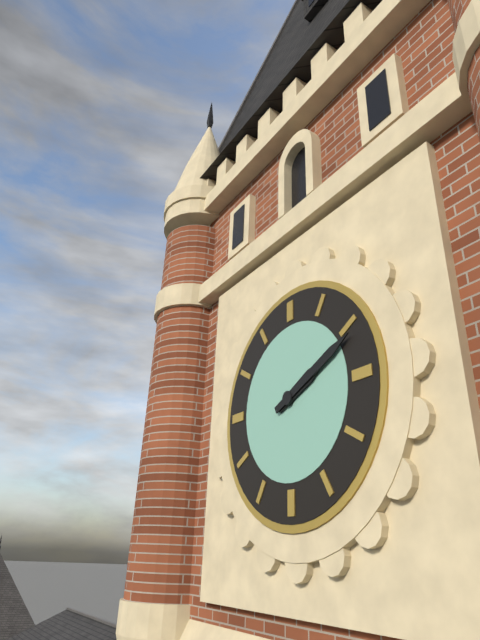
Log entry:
2h11
